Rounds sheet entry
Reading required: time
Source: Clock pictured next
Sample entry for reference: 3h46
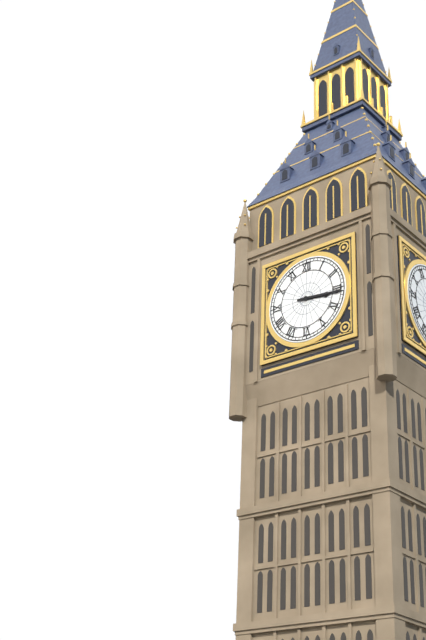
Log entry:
3h16
